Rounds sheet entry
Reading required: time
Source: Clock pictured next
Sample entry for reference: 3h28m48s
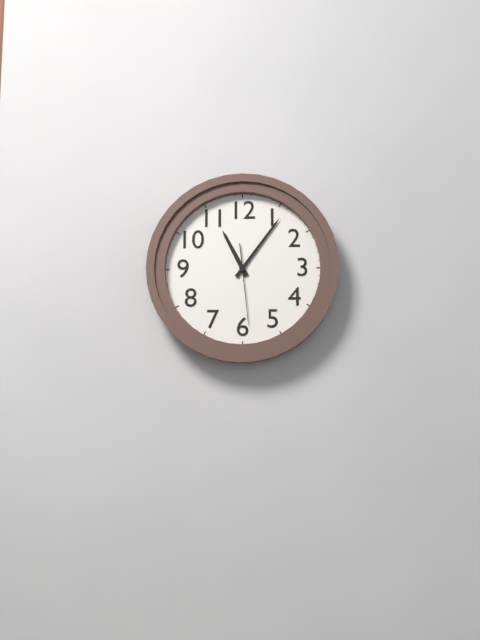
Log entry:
11h06m29s
